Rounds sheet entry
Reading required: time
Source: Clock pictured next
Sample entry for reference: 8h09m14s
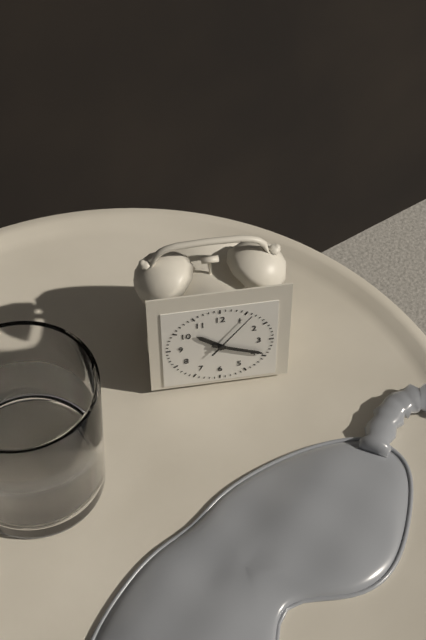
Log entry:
10h19m06s
